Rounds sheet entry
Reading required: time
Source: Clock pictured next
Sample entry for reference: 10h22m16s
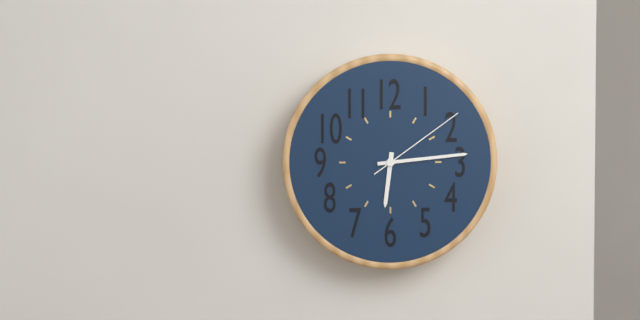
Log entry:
6h14m09s
